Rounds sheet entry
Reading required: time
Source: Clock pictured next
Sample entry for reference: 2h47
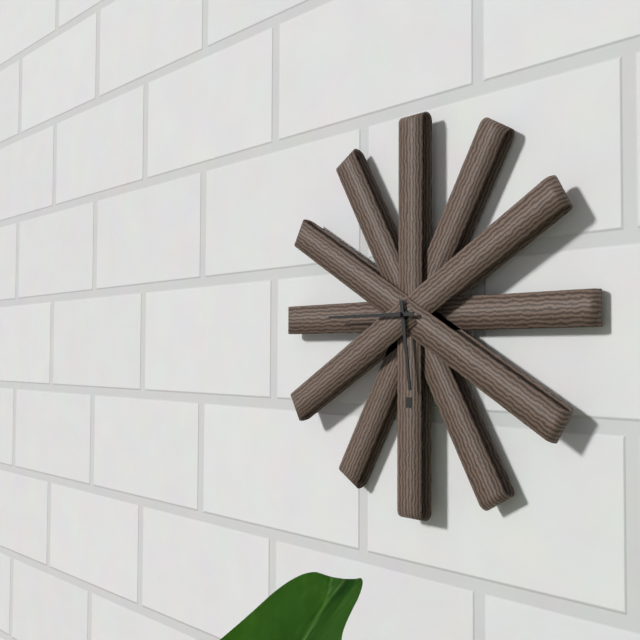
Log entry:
5h45
